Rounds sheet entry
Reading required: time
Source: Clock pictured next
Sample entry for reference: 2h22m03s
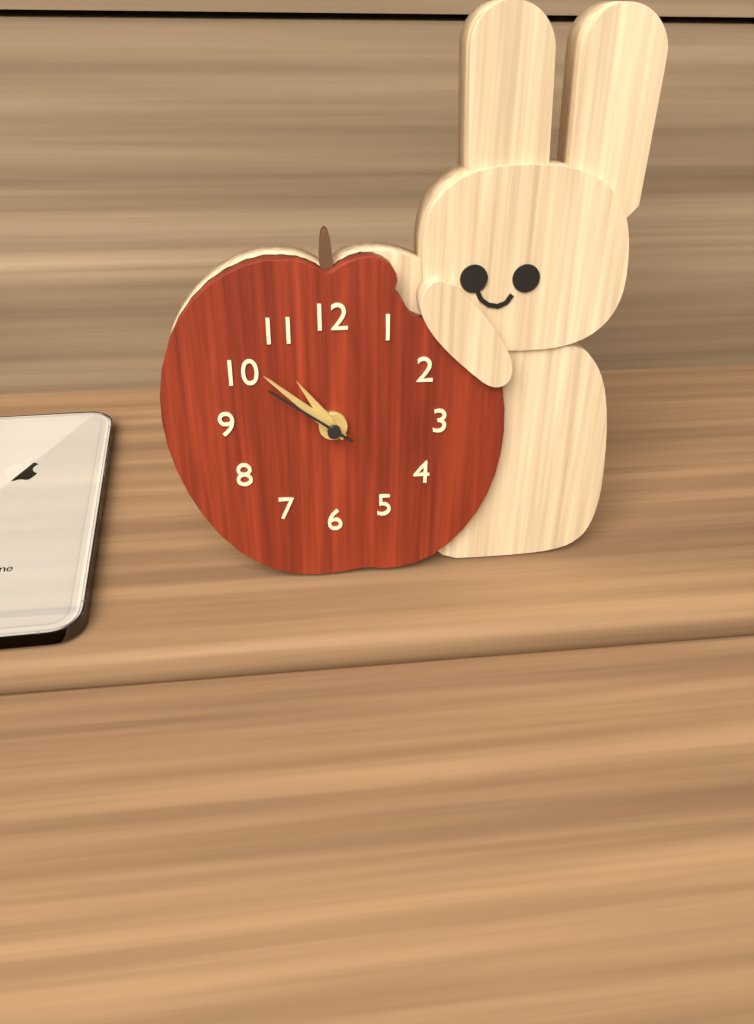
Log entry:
10h52m51s
